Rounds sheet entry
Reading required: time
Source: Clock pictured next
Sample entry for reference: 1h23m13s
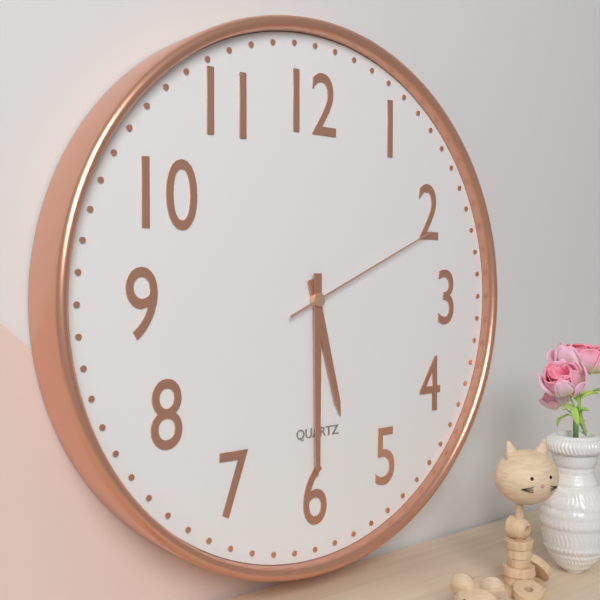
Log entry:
5h30m11s
